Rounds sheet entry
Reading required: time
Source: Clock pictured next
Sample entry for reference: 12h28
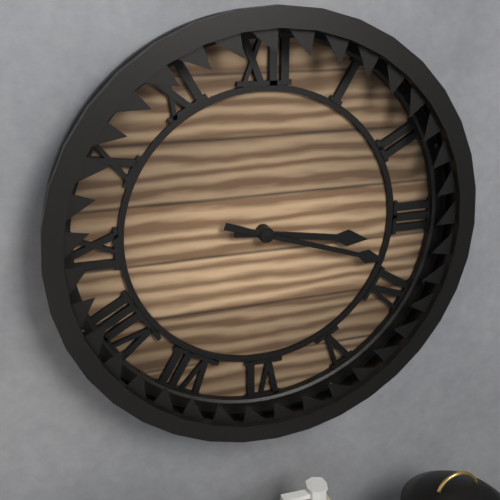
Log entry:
3h18
